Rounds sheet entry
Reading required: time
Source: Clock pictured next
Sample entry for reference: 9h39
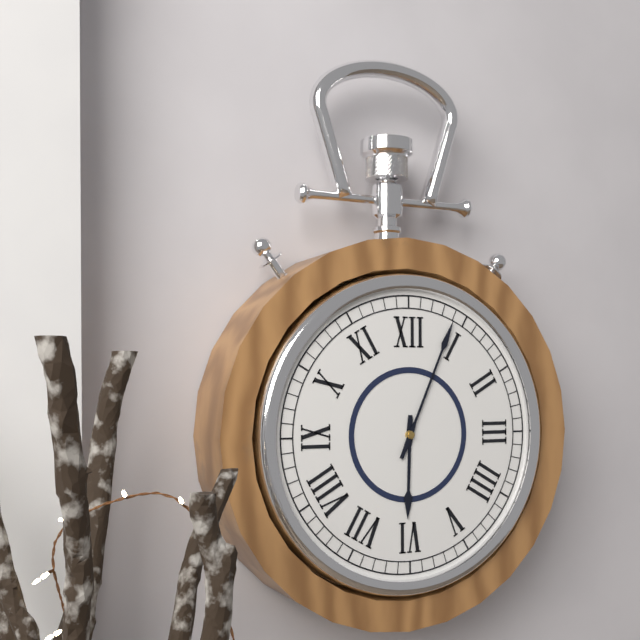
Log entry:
6h04
